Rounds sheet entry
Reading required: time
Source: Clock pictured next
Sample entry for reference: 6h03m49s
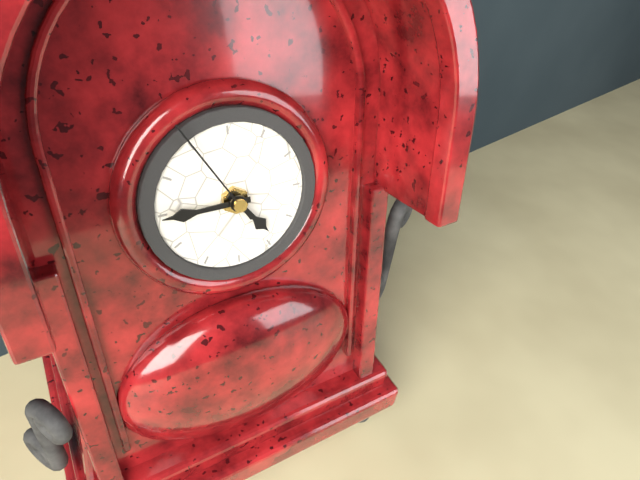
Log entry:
4h45m55s
